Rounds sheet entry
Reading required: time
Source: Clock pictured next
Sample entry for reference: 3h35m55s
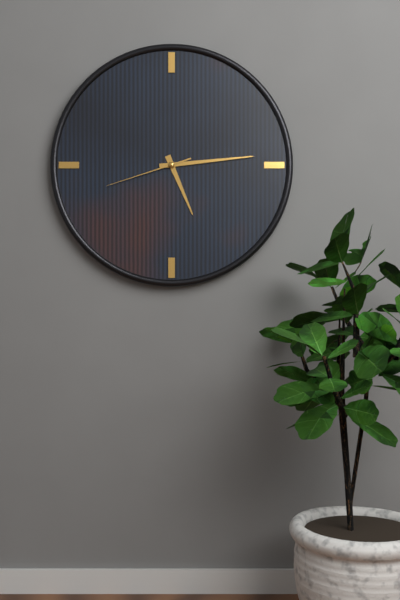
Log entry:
5h14m42s
